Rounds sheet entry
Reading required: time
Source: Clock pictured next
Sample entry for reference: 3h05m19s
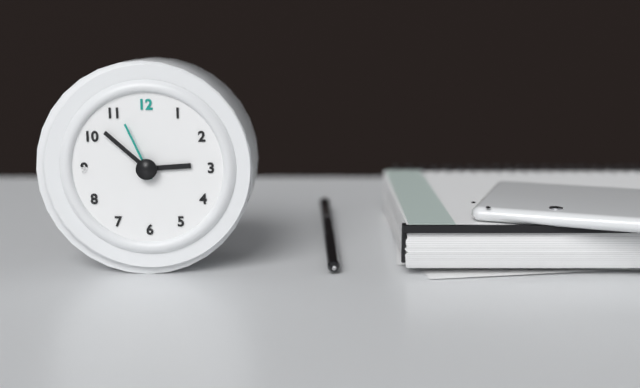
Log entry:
2h52m56s
